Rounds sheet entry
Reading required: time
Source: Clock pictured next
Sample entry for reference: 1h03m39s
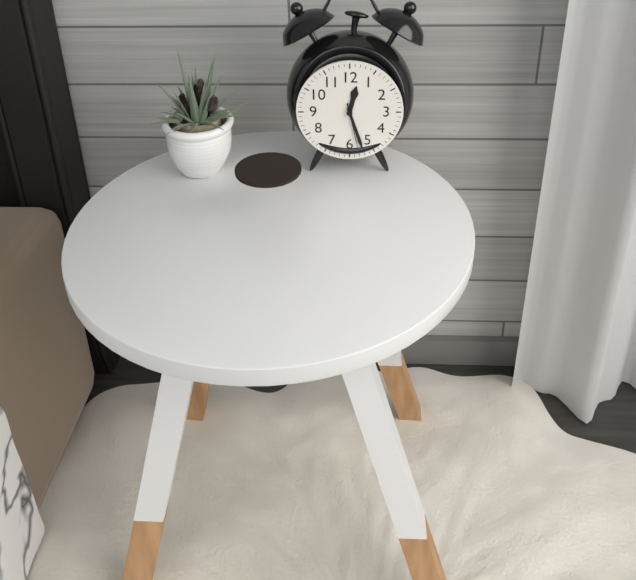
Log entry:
12h27m28s
